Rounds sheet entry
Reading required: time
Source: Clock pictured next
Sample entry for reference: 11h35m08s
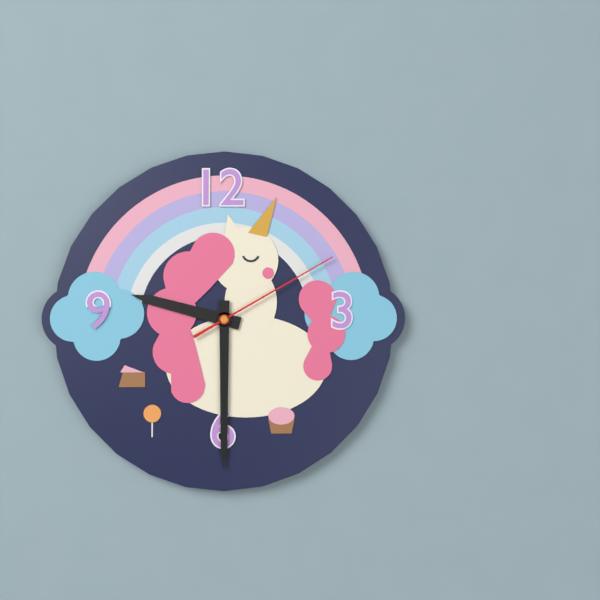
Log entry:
9h30m10s
